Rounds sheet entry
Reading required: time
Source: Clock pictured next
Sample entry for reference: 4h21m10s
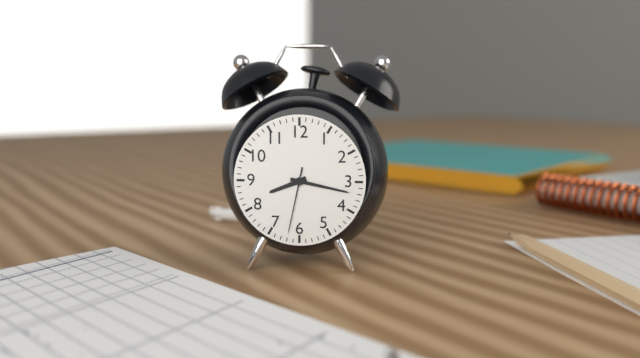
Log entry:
8h17m32s
